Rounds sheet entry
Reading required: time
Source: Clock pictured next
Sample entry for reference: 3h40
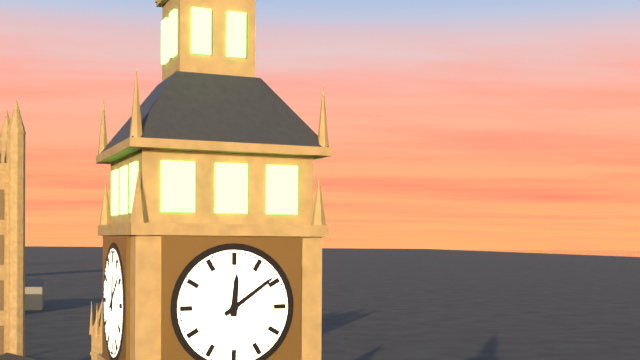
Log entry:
12h09
